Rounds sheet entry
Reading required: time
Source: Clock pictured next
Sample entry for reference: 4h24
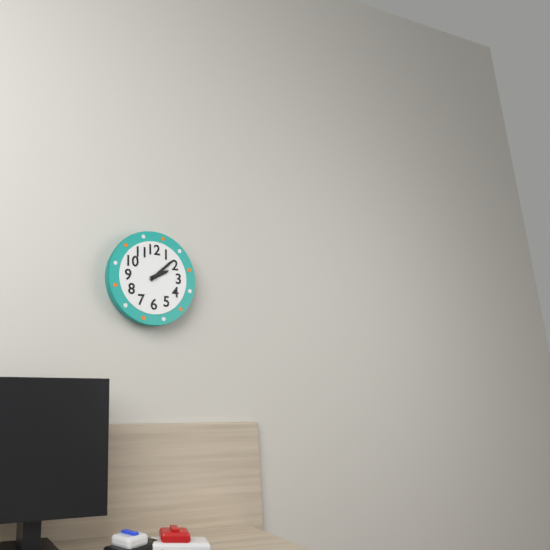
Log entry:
2h08
